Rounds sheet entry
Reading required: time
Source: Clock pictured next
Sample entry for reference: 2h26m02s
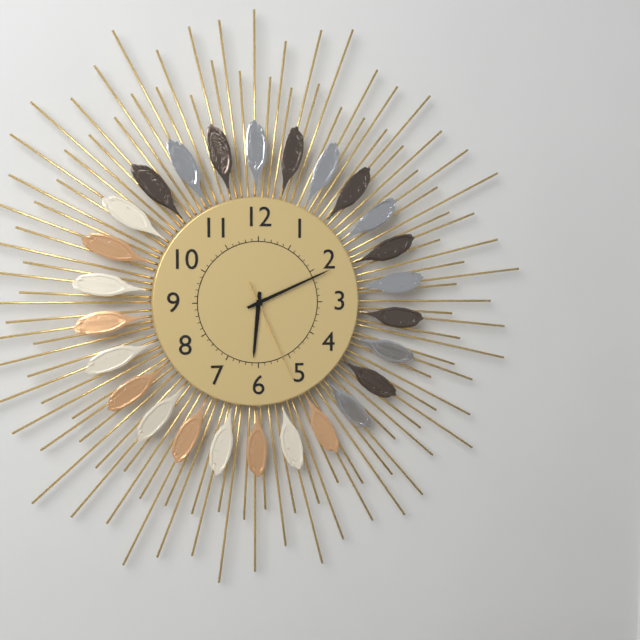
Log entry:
6h11m26s
